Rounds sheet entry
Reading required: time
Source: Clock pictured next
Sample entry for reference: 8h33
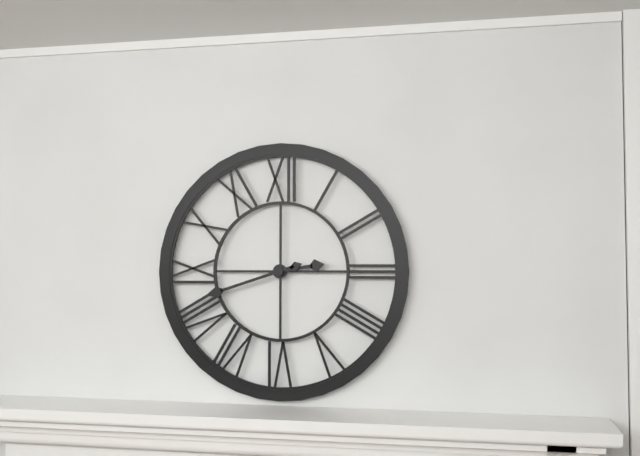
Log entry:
2h42
